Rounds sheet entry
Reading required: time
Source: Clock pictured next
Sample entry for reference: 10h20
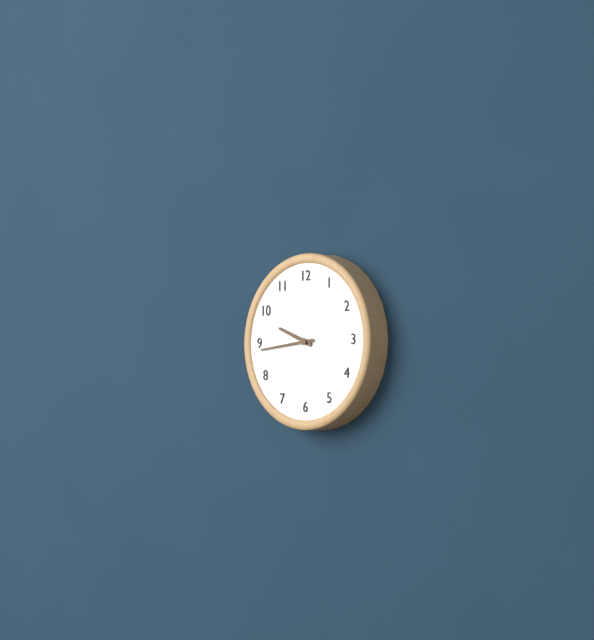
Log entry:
9h44
